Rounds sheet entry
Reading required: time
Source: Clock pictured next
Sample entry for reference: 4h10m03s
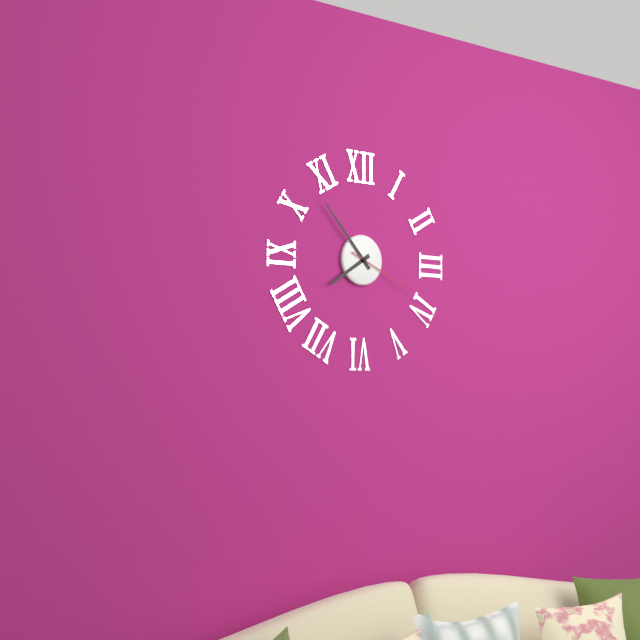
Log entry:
7h53m19s
